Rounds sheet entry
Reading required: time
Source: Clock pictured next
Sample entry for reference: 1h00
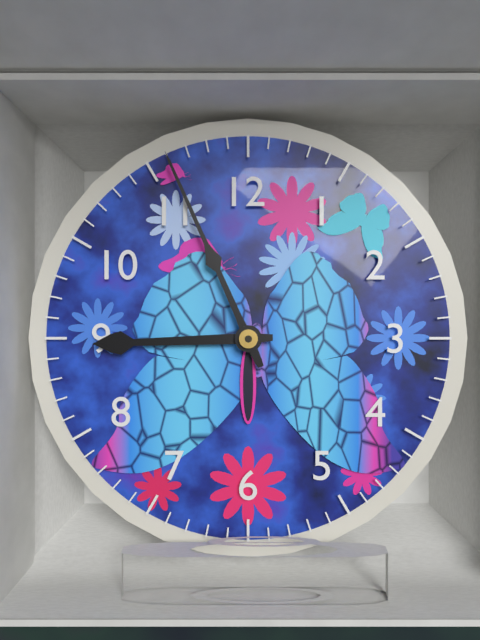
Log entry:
8h56
